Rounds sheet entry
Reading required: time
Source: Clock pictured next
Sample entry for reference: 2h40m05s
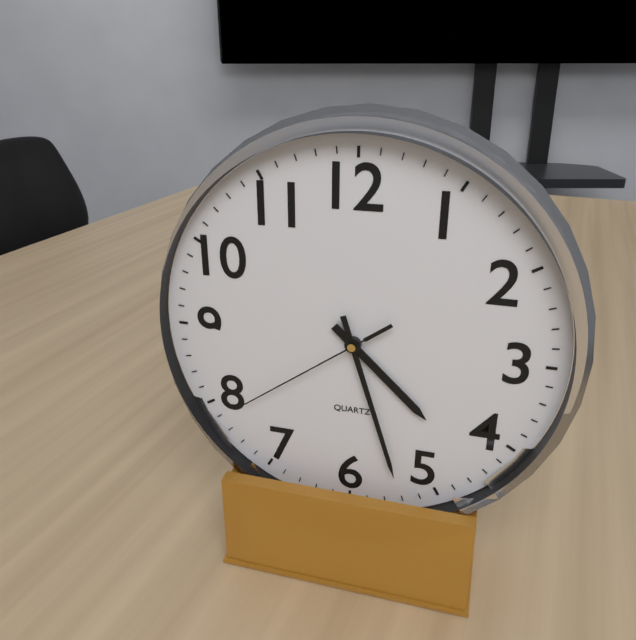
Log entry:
4h27m39s
